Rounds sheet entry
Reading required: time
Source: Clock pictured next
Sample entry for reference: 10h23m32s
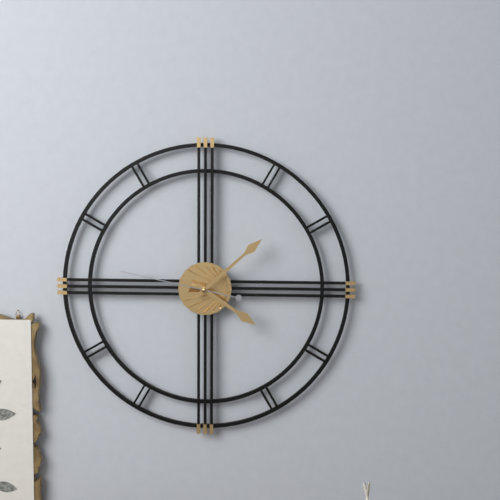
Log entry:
4h08m47s
